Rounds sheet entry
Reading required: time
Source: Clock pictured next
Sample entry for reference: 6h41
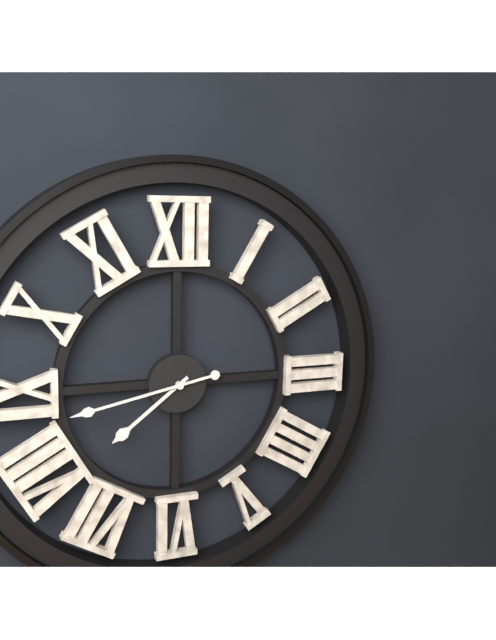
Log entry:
7h43
